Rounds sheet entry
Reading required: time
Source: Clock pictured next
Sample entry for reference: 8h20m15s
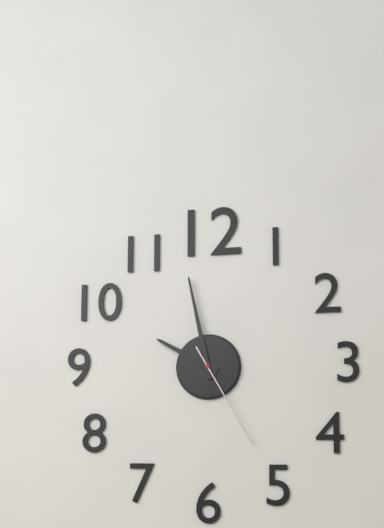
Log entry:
9h58m25s
